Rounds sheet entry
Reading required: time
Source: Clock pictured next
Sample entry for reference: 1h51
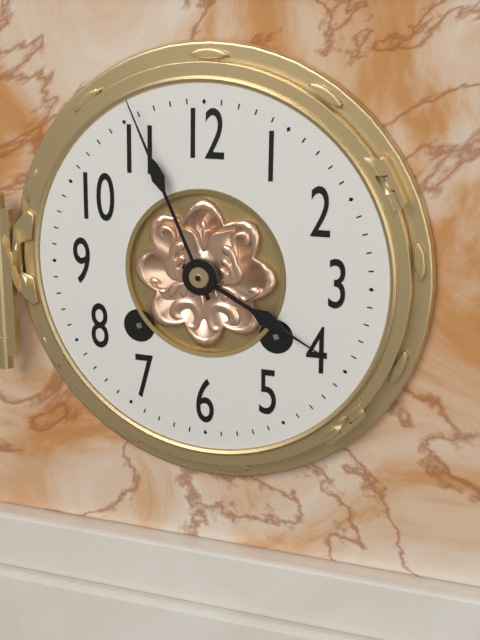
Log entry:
3h56
